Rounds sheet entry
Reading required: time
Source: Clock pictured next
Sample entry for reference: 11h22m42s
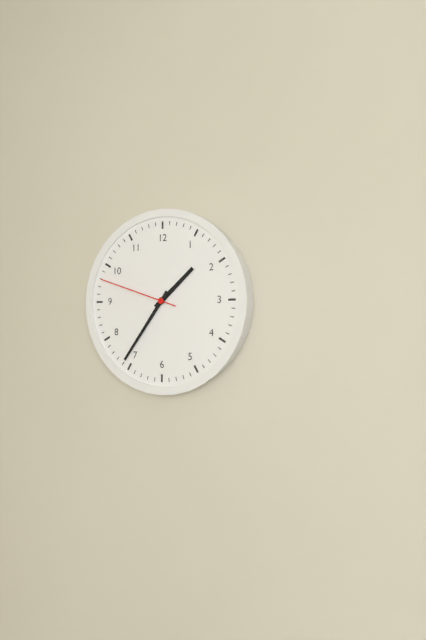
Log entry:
1h36m48s
